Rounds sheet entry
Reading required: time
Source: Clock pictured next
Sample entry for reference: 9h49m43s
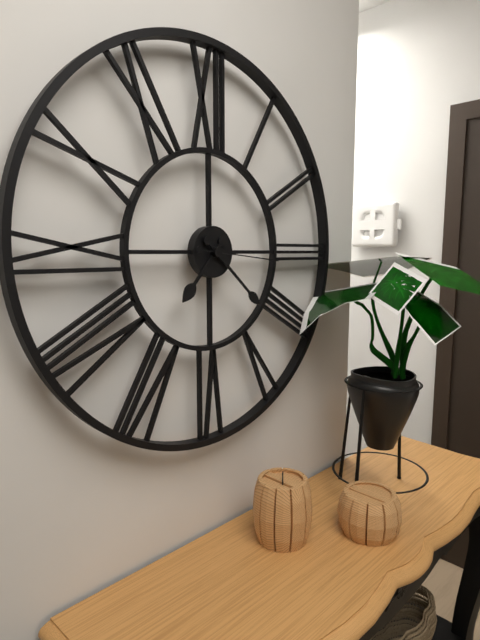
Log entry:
7h22m16s
